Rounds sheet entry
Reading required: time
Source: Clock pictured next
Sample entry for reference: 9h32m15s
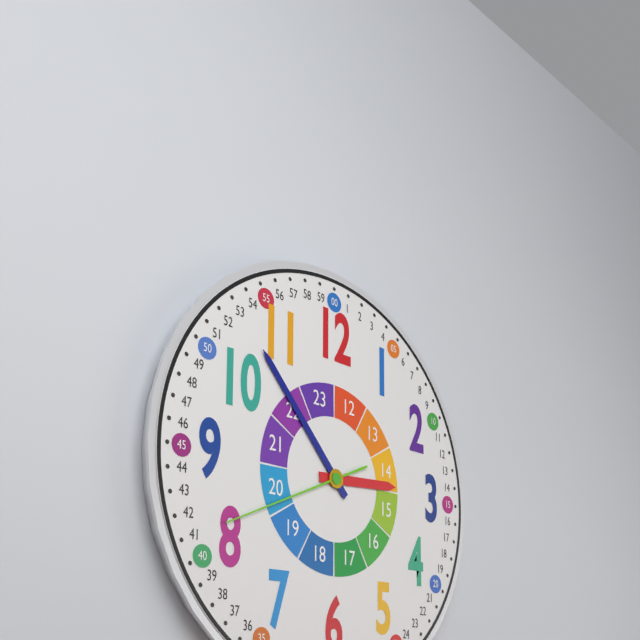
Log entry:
2h53m41s
